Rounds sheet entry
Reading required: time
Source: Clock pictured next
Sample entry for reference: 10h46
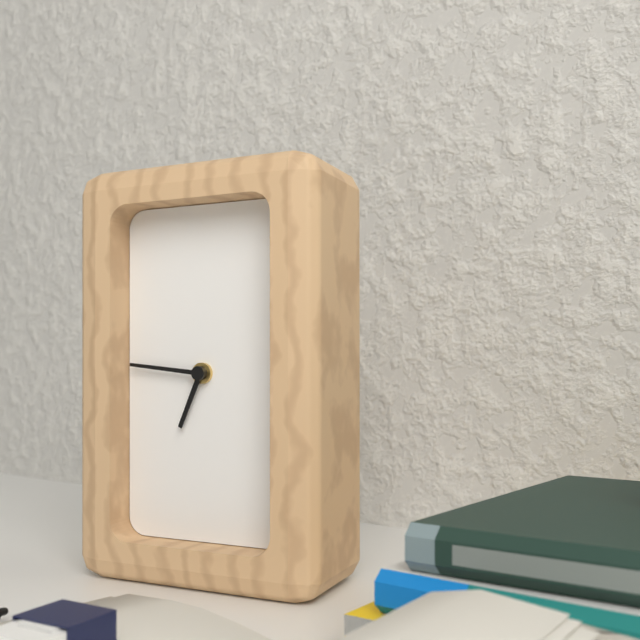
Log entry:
6h46
